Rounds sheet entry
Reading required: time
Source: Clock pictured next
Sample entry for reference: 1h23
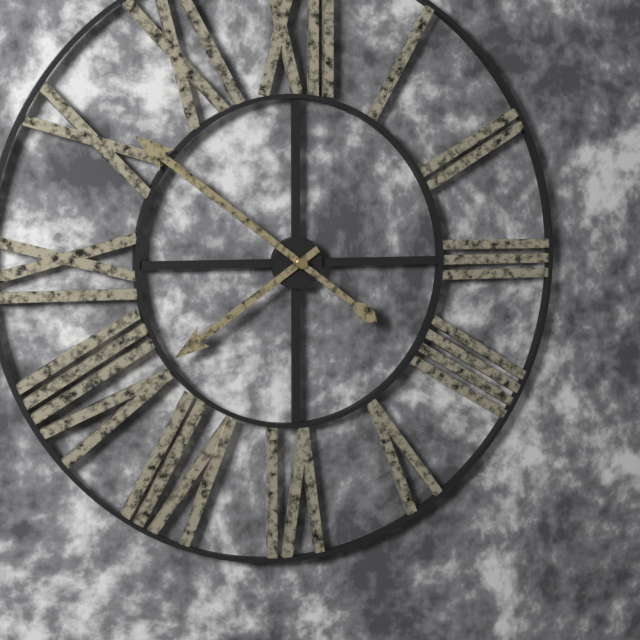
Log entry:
7h51
